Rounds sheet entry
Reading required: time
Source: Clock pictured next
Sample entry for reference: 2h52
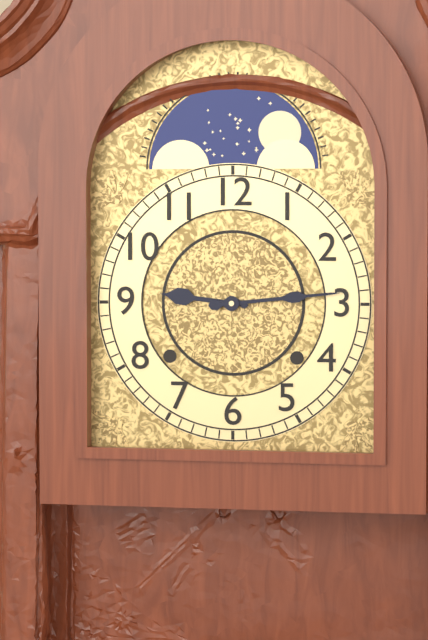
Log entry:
9h14
